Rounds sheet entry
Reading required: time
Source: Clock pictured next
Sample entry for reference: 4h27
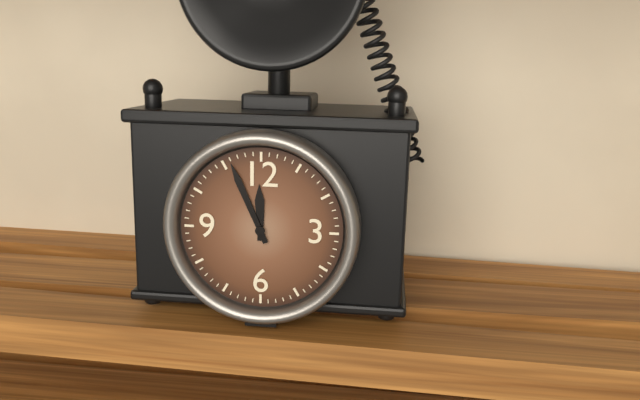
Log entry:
11h56
